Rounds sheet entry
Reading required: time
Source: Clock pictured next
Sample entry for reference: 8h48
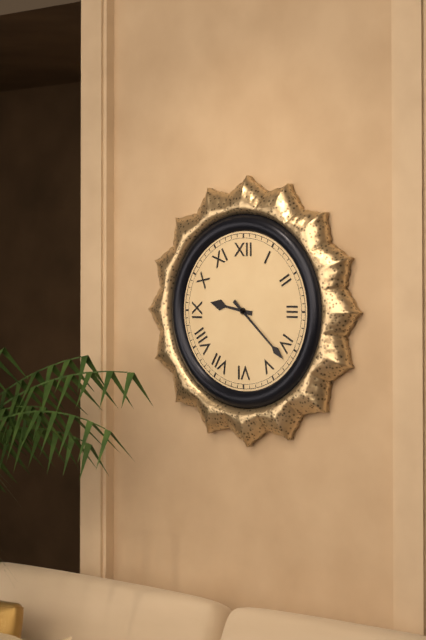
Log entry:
9h22
